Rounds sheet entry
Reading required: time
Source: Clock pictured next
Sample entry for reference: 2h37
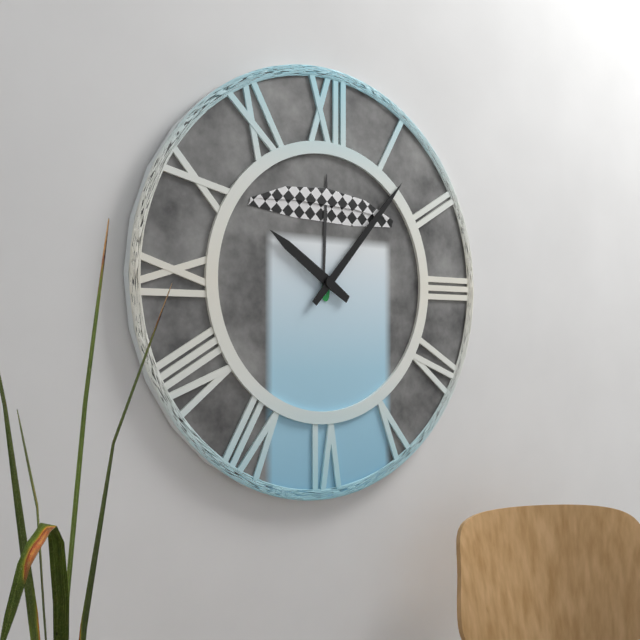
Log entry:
10h07
